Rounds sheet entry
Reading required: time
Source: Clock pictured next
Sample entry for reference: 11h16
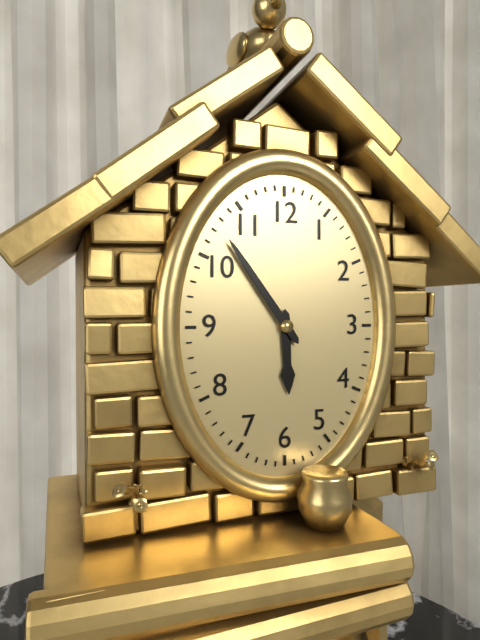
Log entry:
5h54
